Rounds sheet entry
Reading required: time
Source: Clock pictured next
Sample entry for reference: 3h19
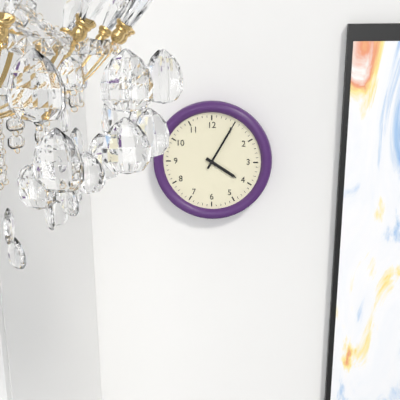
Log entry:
4h05
